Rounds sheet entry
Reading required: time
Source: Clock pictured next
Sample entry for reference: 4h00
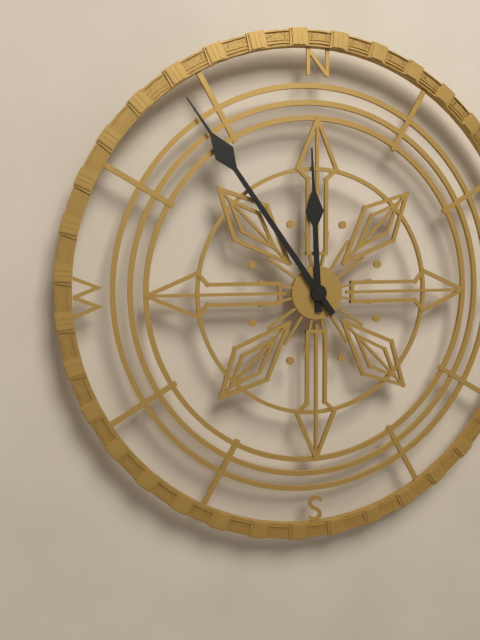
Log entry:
11h54
